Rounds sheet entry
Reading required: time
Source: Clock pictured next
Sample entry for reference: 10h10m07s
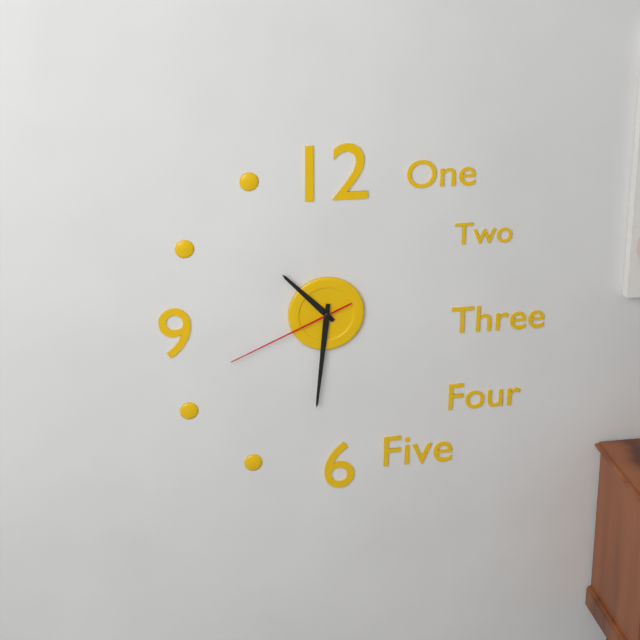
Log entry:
10h31m41s
